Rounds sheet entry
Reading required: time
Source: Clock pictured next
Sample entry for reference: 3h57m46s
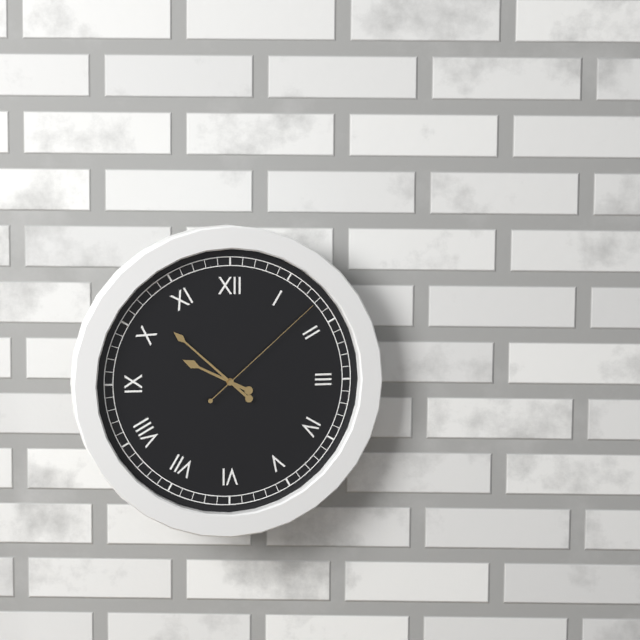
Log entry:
9h52m08s
